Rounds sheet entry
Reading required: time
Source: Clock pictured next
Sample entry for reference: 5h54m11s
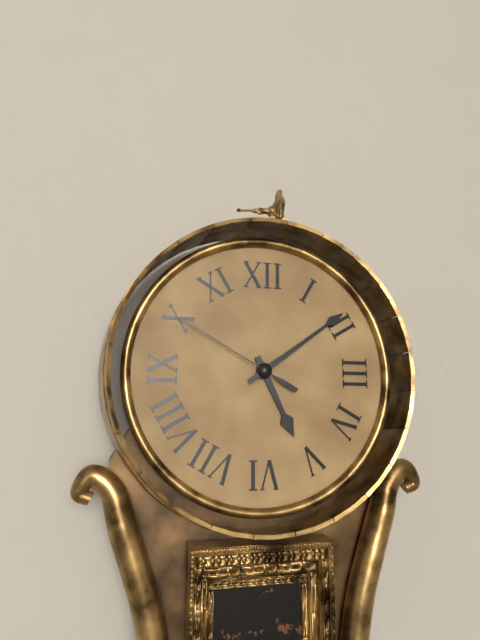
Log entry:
5h09m50s
